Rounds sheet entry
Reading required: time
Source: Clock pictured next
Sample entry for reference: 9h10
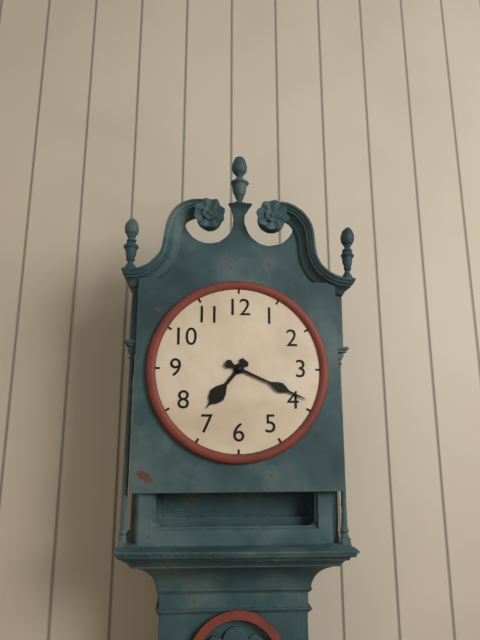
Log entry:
7h19
